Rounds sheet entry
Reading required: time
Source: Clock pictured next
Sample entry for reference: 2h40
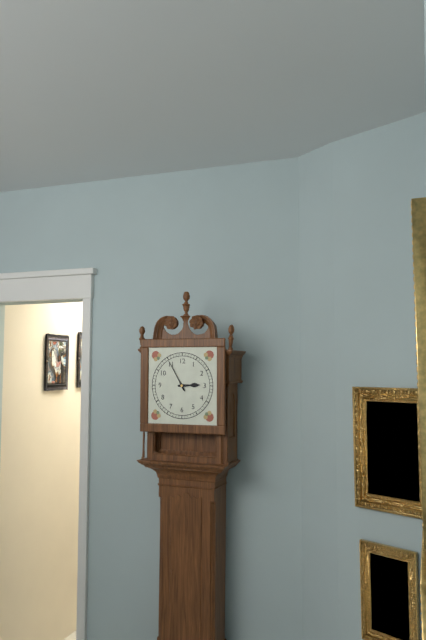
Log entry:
2h55
